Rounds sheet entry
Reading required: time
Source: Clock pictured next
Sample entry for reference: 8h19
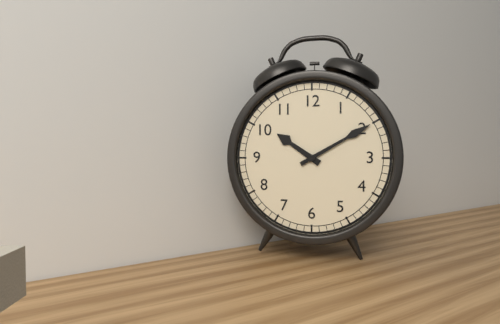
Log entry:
10h10
